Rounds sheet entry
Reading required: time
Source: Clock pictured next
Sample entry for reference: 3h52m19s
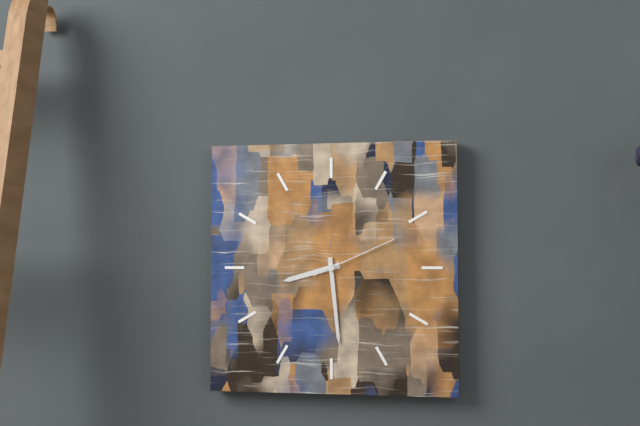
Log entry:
8h29m11s
